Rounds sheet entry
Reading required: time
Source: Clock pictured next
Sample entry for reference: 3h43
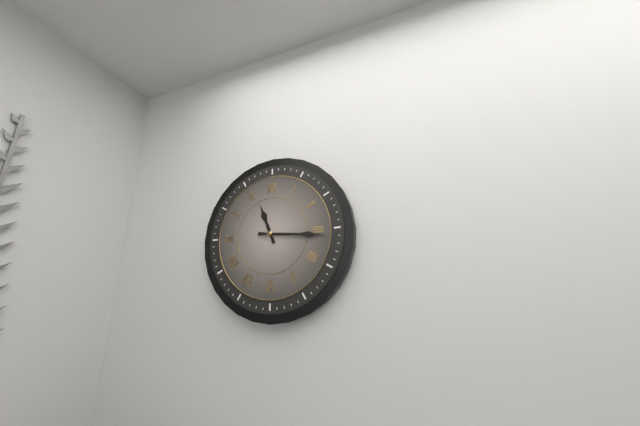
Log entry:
11h16
